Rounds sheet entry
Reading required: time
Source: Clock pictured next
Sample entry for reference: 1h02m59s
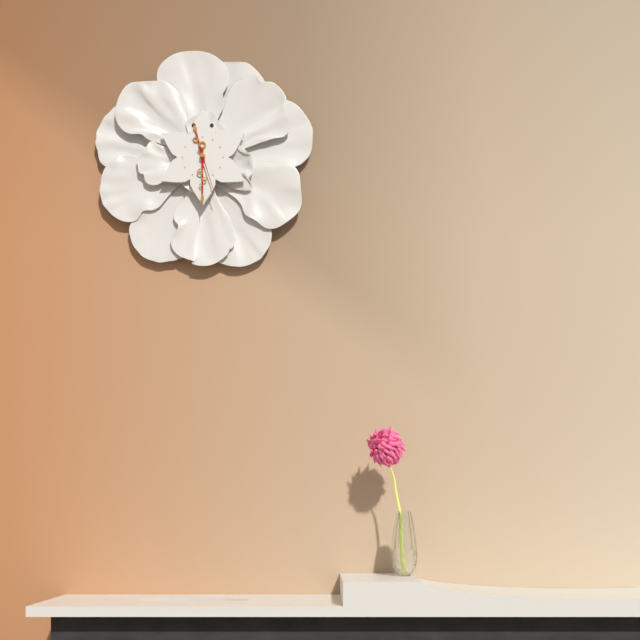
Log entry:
11h30m27s
